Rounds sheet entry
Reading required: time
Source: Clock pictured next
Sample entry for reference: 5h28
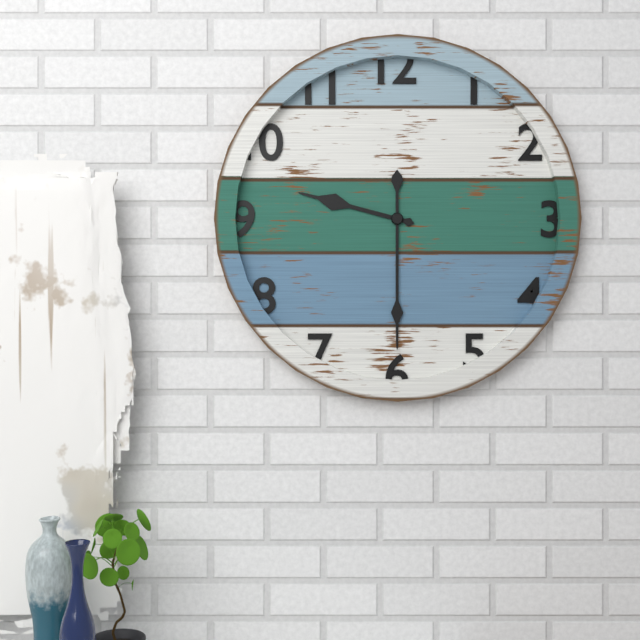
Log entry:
9h30
